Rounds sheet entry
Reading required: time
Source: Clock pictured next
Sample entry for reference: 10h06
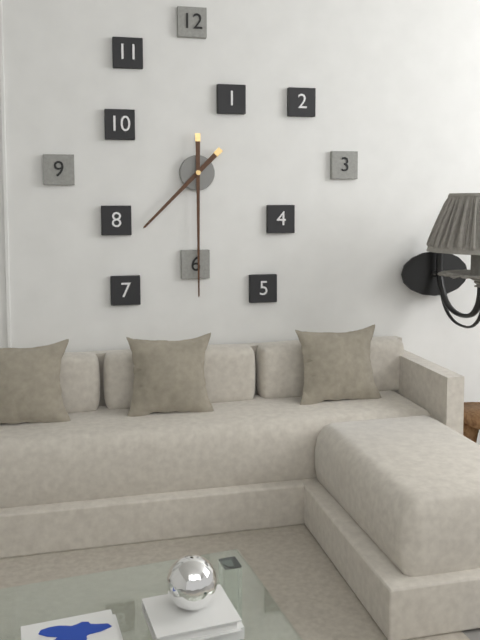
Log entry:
7h30
